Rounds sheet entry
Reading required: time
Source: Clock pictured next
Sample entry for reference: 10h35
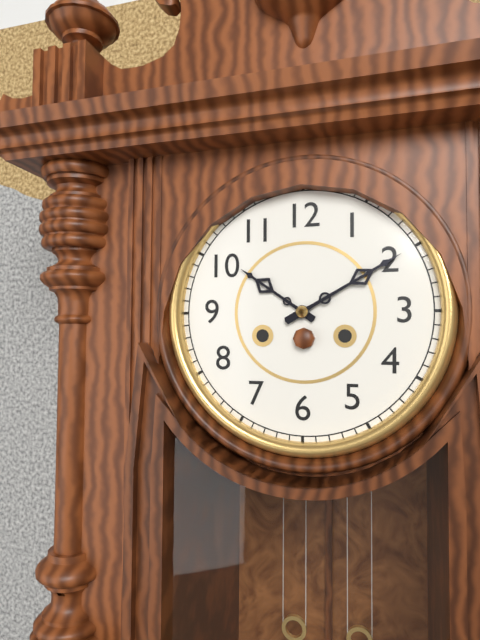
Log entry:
10h10
